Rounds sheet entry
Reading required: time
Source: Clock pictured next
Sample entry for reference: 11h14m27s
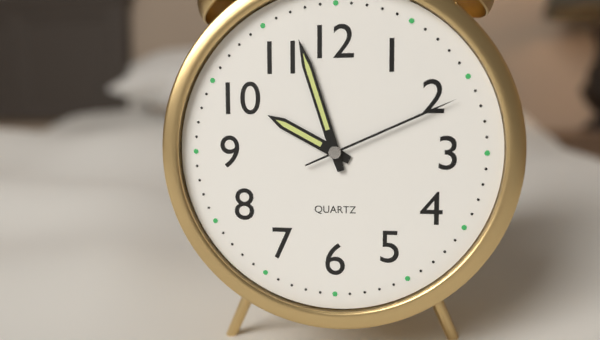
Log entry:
9h57m11s
